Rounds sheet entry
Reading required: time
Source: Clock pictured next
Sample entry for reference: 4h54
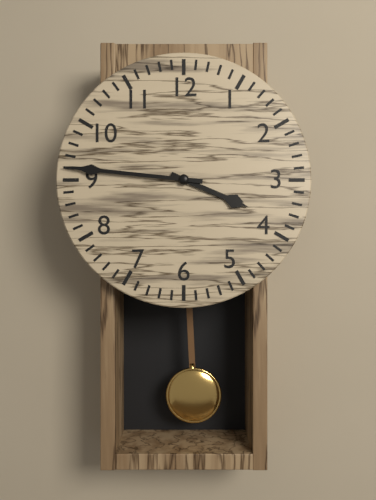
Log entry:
3h46
